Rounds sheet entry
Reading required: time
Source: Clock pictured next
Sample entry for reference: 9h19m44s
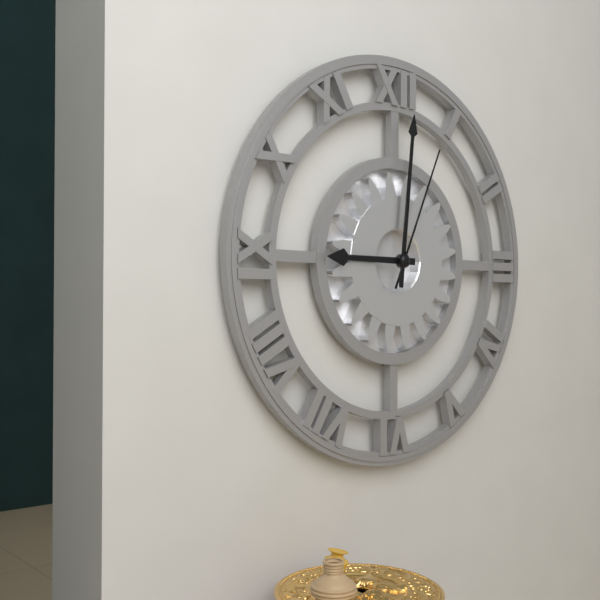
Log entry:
9h01m04s
